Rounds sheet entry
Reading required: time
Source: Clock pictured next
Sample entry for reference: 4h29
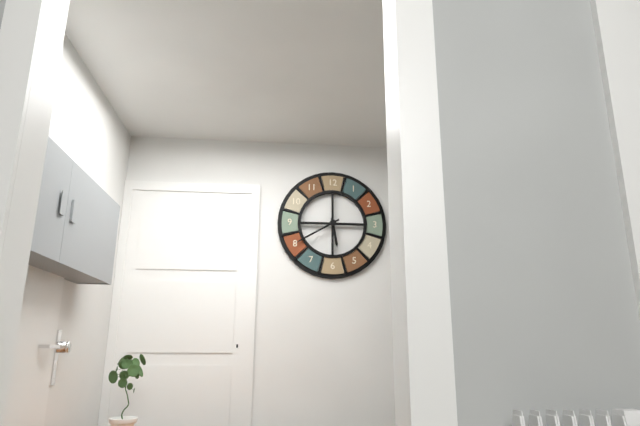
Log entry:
5h40
